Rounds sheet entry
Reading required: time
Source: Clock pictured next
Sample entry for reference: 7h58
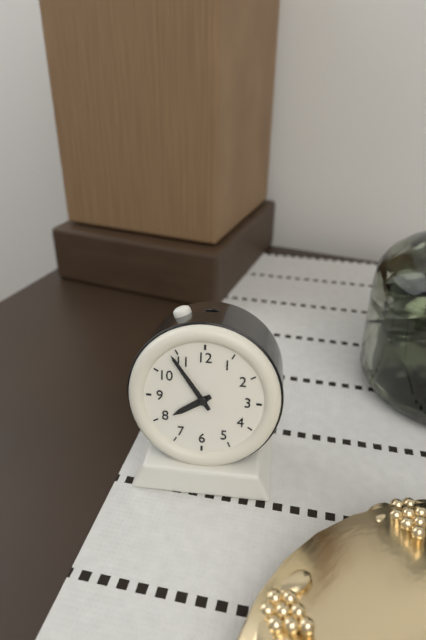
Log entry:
7h54
